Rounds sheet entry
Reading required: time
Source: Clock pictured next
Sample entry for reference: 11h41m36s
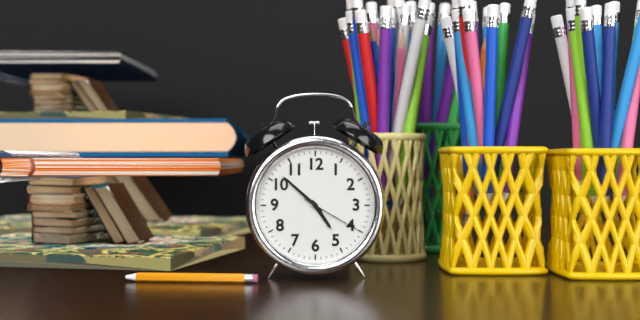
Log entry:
4h52m20s
